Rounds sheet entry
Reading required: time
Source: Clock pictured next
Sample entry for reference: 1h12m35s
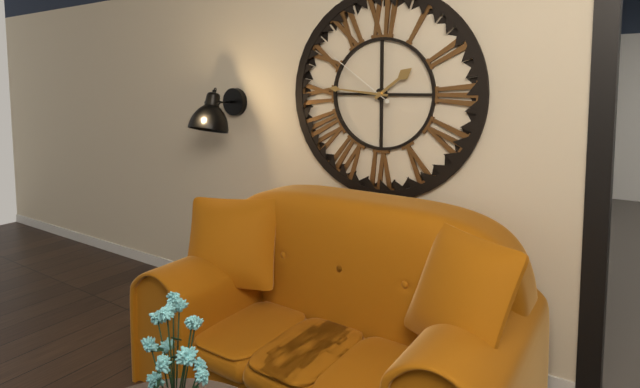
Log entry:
1h46m51s
